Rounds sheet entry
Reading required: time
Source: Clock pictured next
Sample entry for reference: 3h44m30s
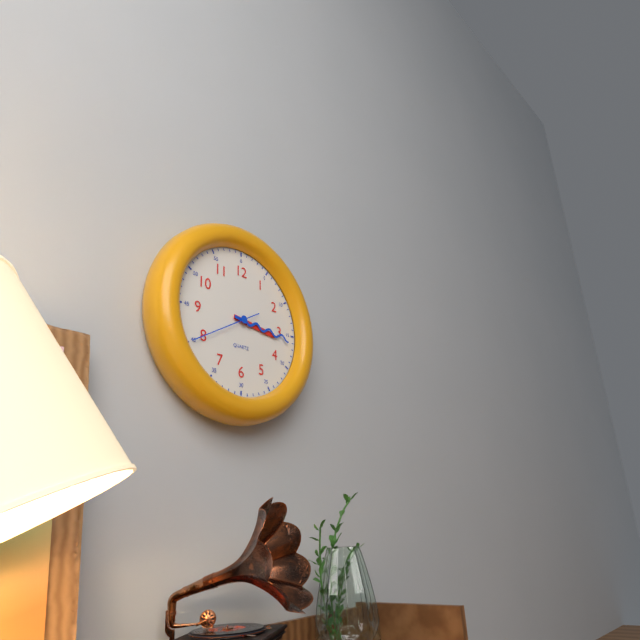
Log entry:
3h16m40s
